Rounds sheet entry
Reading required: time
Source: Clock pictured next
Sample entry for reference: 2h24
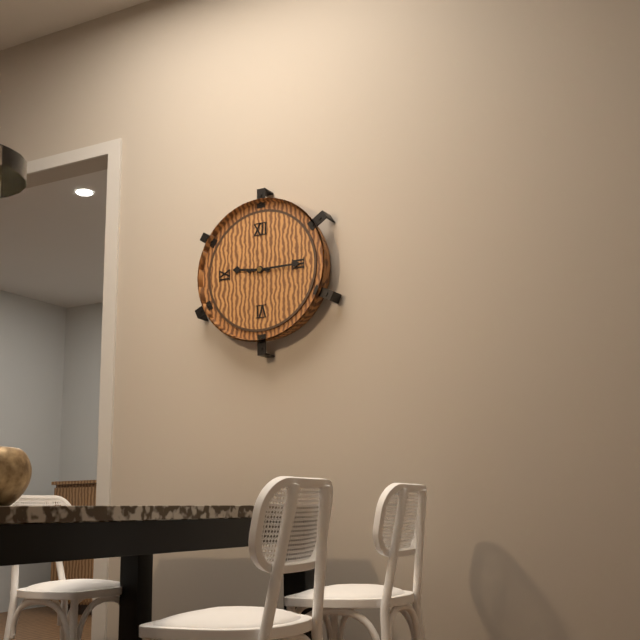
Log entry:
9h15
